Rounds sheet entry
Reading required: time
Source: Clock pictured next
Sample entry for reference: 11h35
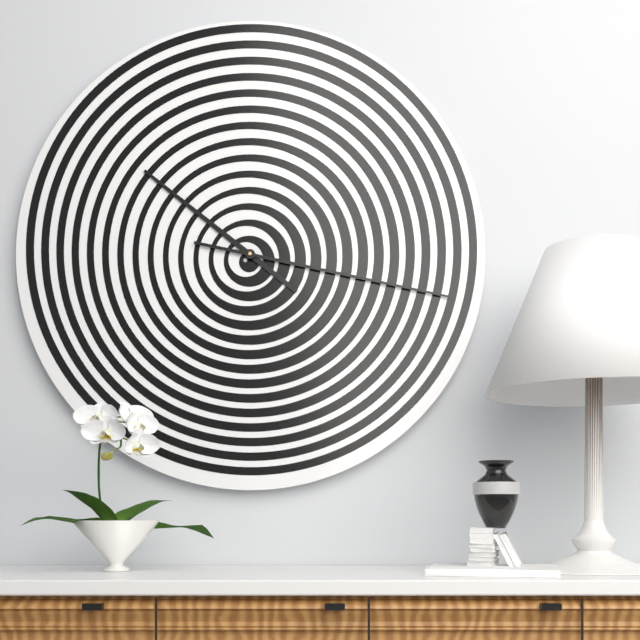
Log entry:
10h17
